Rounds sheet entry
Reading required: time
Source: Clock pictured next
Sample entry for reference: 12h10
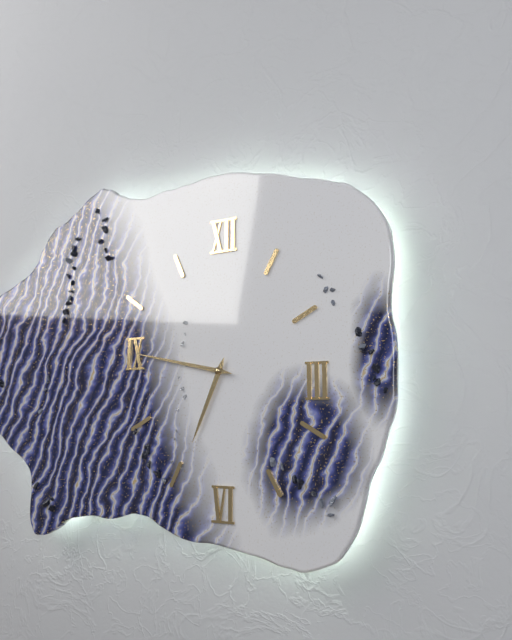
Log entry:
6h47
